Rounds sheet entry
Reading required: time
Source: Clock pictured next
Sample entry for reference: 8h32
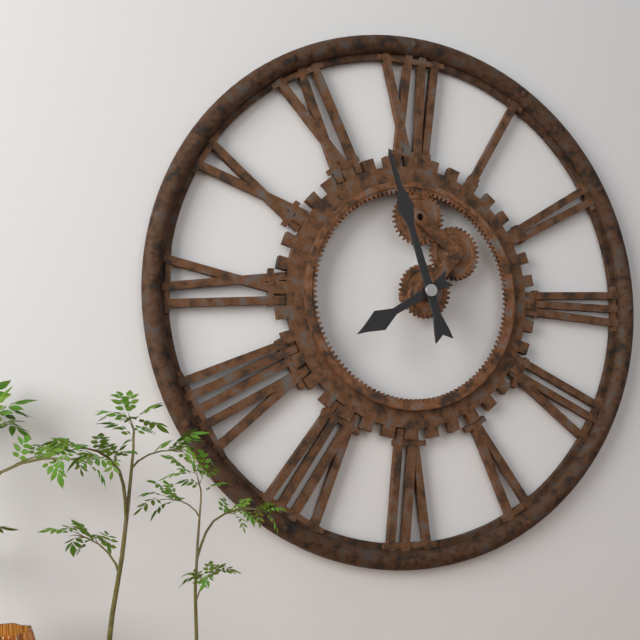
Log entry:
7h57
